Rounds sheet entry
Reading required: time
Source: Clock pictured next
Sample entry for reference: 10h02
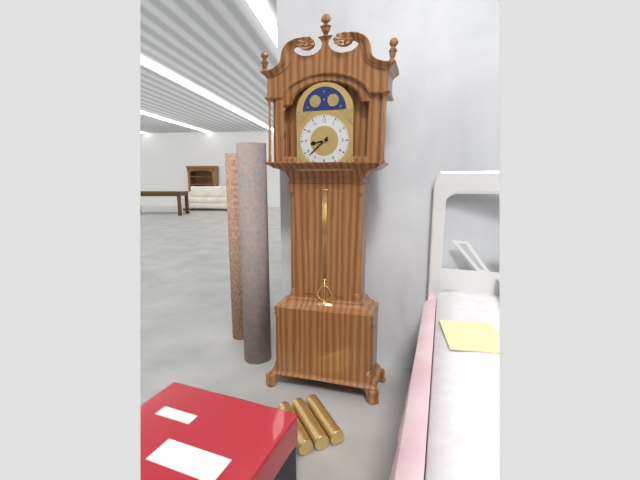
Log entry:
8h38
